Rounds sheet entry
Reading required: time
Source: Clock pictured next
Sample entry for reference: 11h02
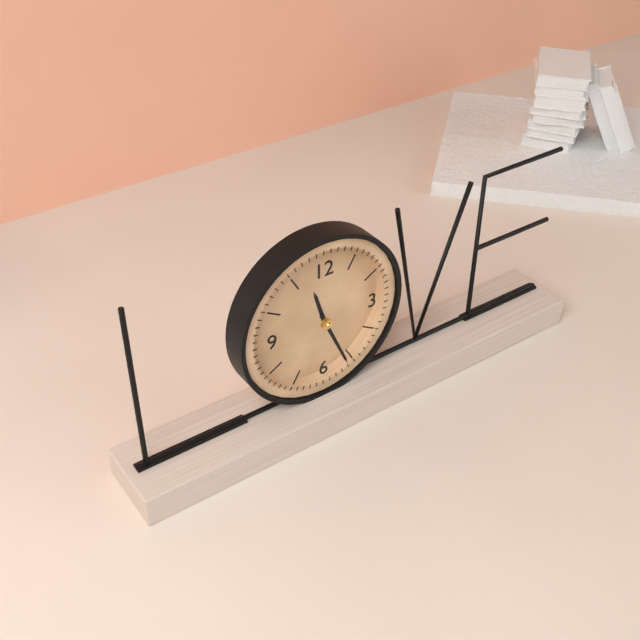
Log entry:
11h26
